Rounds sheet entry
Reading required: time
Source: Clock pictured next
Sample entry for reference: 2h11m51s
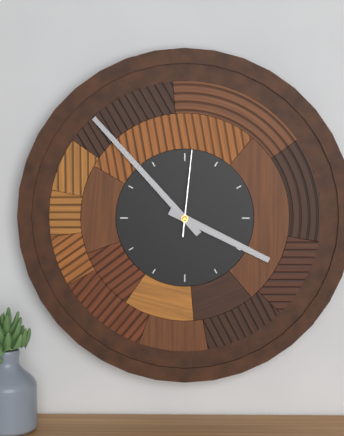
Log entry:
3h53m01s
